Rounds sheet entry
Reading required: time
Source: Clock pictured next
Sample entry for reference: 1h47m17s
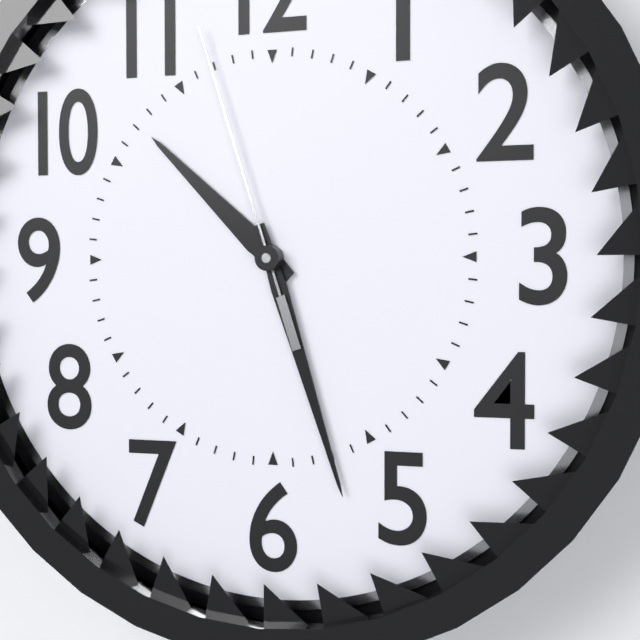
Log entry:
10h27m57s
